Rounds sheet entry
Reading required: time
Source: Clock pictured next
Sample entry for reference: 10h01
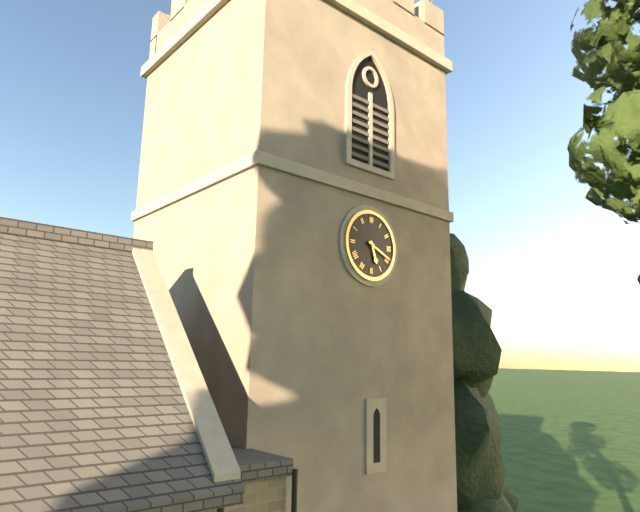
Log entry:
5h19
